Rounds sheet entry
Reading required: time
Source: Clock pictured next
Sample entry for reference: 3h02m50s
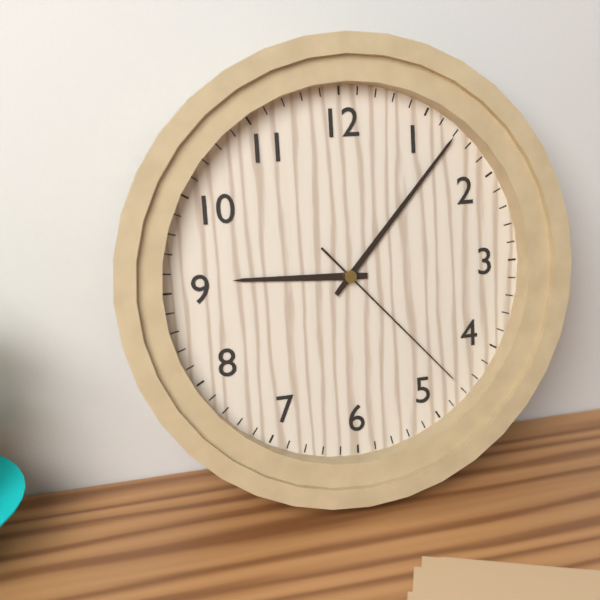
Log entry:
9h07m23s
